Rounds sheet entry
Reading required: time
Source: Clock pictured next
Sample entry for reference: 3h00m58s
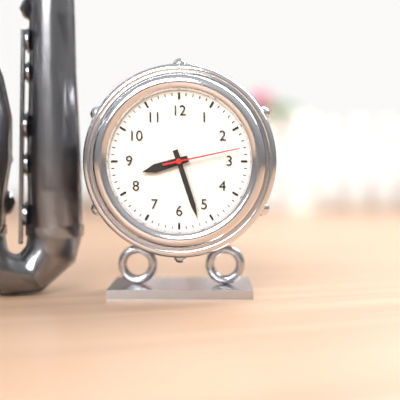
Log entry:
8h27m13s
